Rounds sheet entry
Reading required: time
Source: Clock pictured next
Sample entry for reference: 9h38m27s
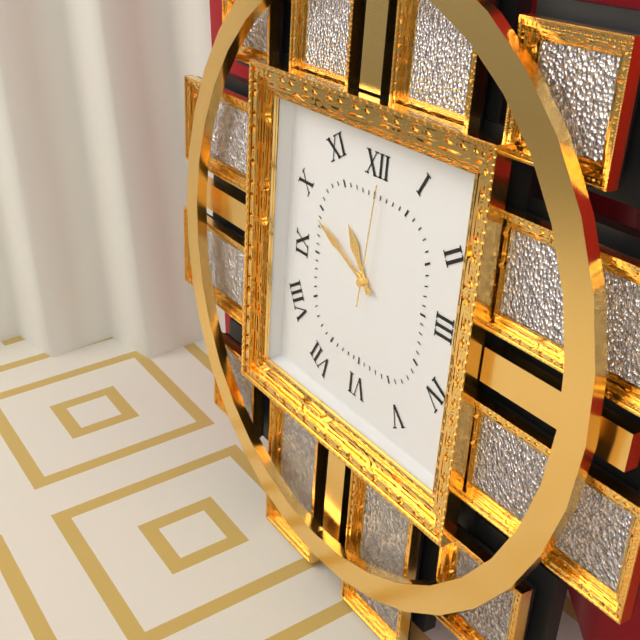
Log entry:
10h49m01s
